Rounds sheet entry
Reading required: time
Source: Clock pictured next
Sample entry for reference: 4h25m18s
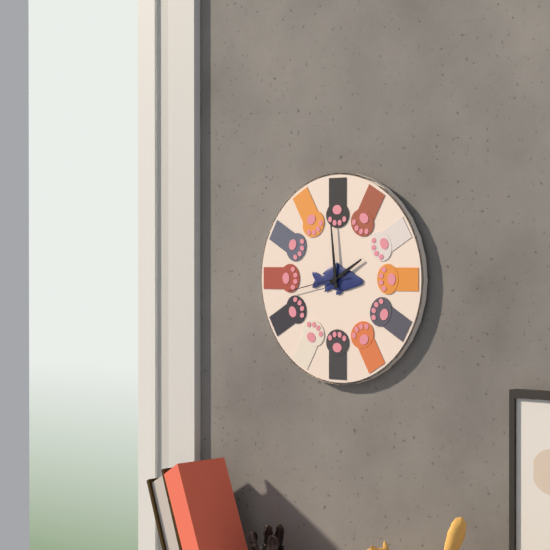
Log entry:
1h59m43s
